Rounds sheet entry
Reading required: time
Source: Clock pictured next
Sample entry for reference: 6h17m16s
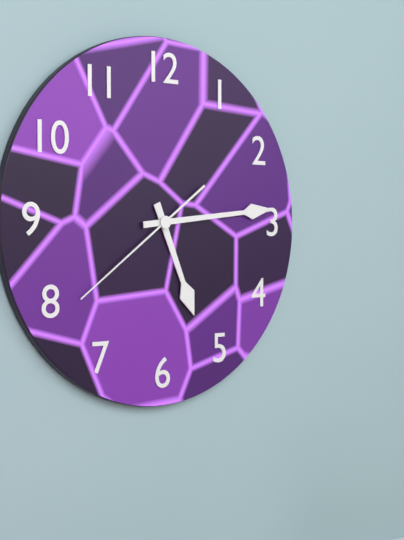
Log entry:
5h14m39s
